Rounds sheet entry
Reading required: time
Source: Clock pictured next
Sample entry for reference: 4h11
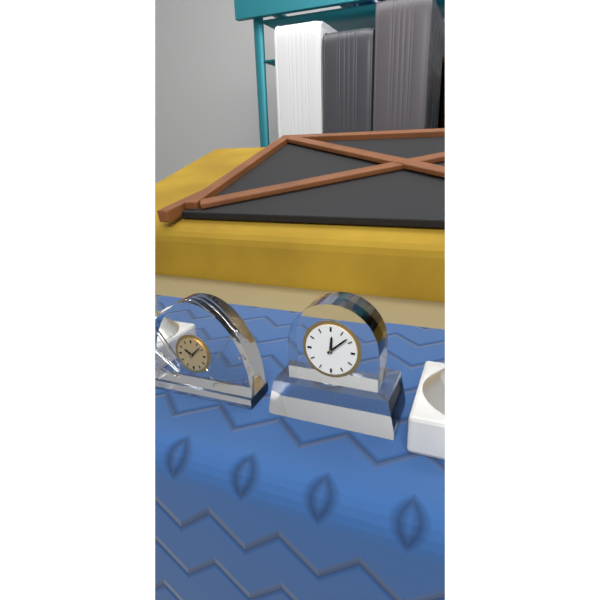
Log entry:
12h08
